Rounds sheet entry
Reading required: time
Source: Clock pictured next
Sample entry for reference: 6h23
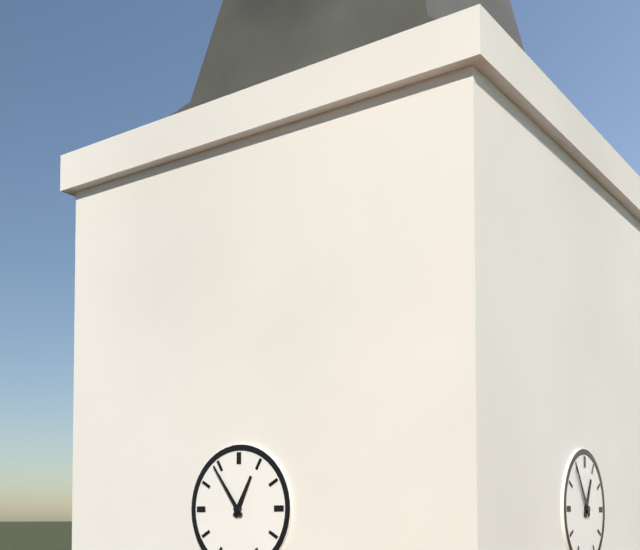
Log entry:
12h54
